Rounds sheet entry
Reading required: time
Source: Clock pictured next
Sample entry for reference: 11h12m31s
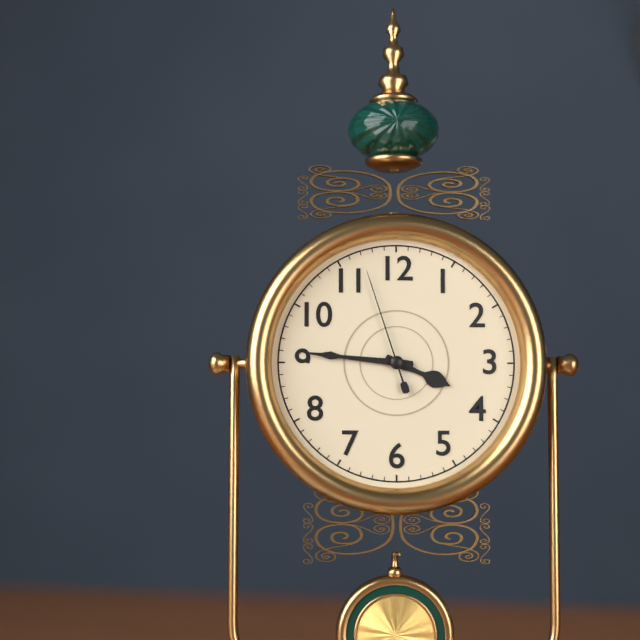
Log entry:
3h46m57s
